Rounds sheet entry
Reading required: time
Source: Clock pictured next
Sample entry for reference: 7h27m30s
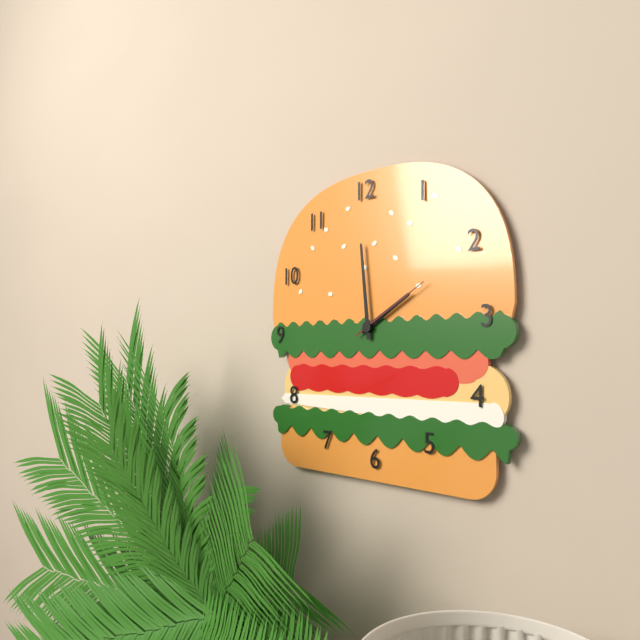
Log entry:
1h59m10s
